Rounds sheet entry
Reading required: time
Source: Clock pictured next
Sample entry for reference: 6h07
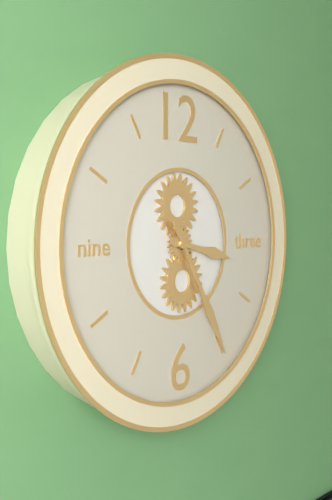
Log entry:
3h25
